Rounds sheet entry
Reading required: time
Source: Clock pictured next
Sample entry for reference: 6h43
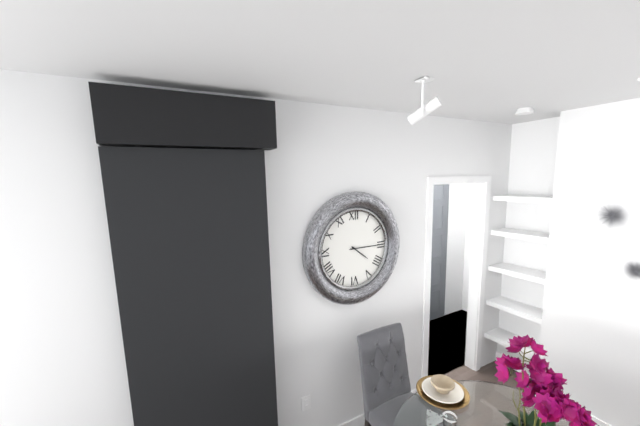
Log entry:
4h15
